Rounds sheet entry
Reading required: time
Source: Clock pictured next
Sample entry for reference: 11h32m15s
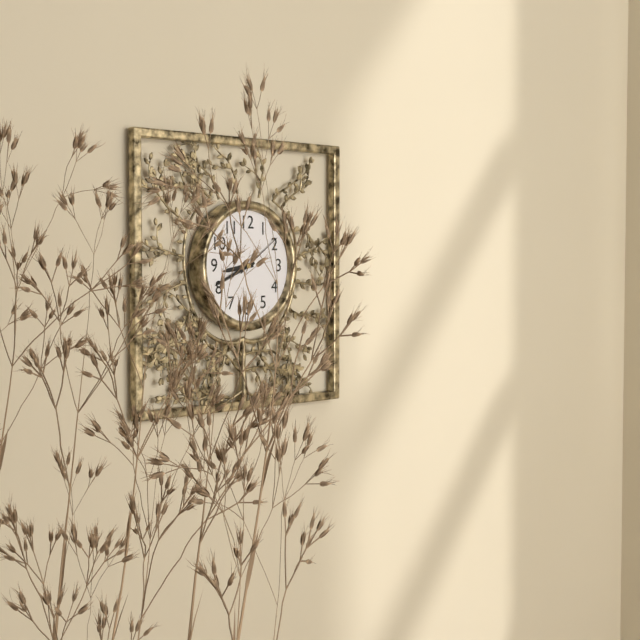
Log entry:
8h41m09s
